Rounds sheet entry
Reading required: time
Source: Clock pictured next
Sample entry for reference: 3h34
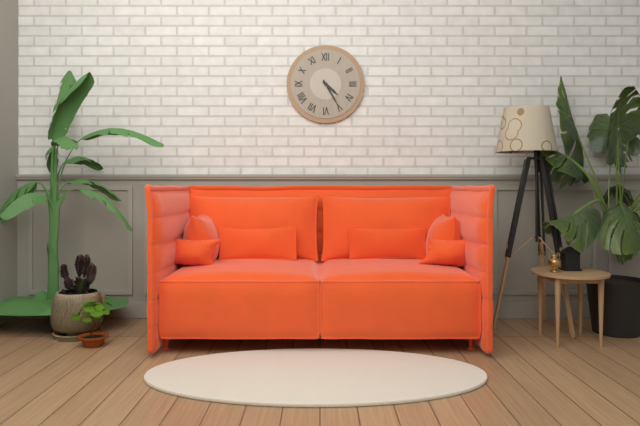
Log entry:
4h25
